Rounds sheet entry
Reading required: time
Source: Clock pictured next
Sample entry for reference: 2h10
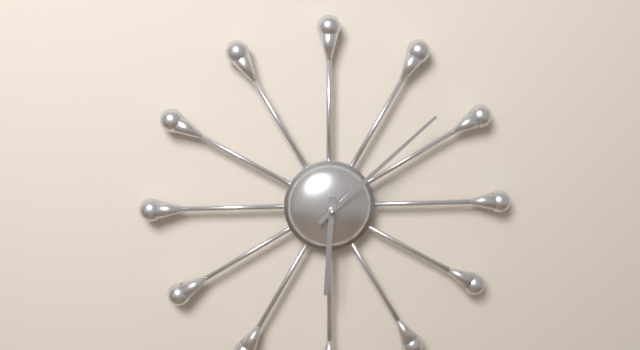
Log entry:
6h08
